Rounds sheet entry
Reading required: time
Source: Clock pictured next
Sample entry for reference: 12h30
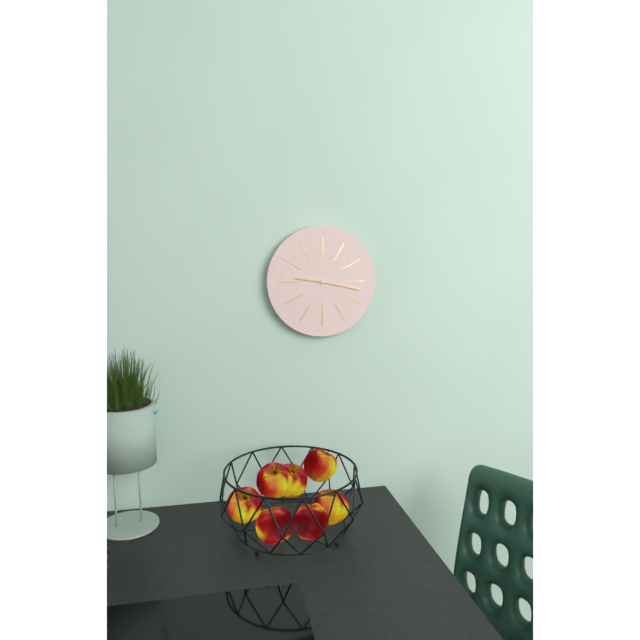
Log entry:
9h17
